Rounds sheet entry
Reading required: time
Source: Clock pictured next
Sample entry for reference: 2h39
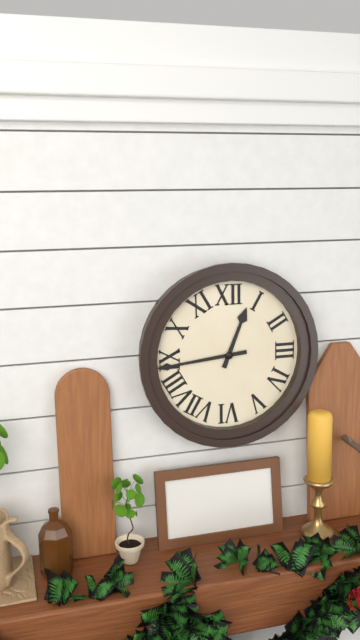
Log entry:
12h44
